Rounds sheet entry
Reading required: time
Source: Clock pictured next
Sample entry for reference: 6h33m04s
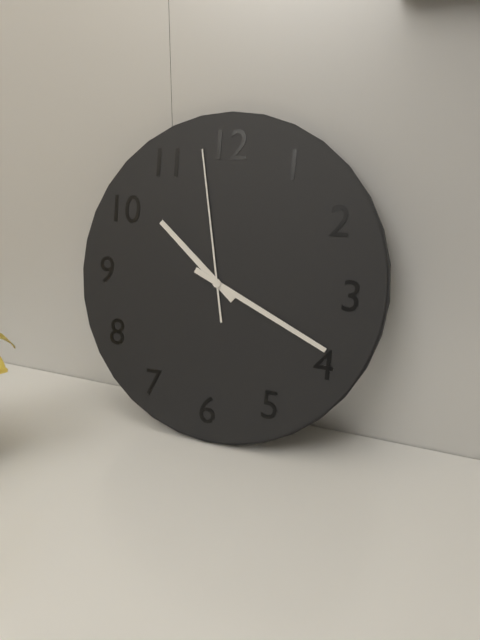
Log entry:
10h19m58s
